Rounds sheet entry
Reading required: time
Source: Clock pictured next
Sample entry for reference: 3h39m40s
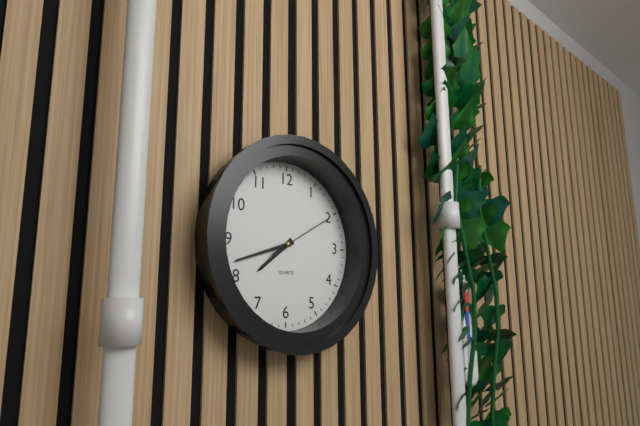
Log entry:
7h42m10s
